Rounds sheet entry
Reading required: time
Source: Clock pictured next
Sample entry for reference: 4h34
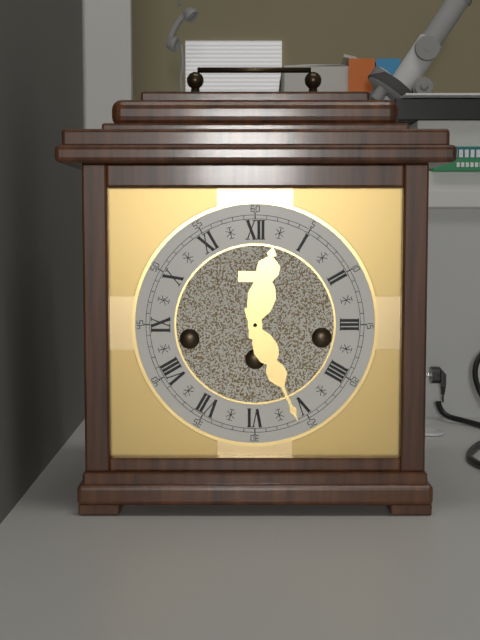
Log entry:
12h26
